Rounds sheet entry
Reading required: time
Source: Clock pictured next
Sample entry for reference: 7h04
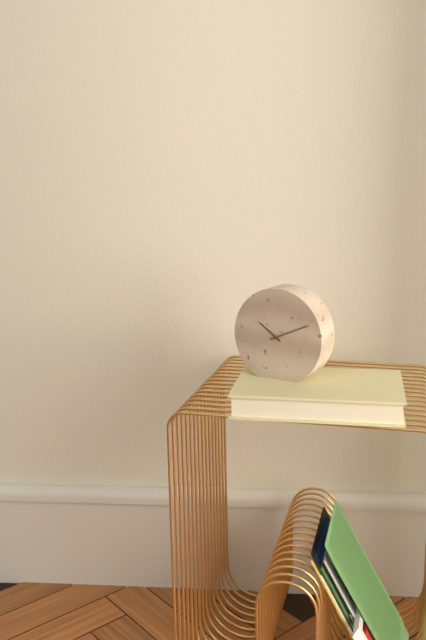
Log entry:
10h11
